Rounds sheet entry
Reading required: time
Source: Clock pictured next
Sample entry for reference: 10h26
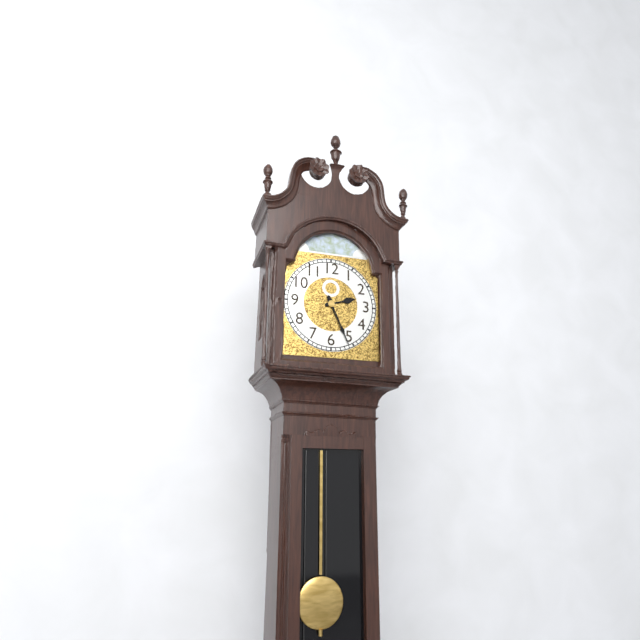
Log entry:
2h26
